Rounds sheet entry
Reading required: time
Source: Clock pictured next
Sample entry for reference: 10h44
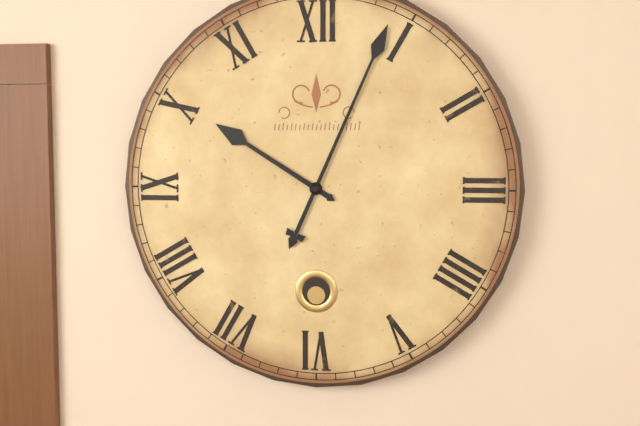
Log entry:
10h04
